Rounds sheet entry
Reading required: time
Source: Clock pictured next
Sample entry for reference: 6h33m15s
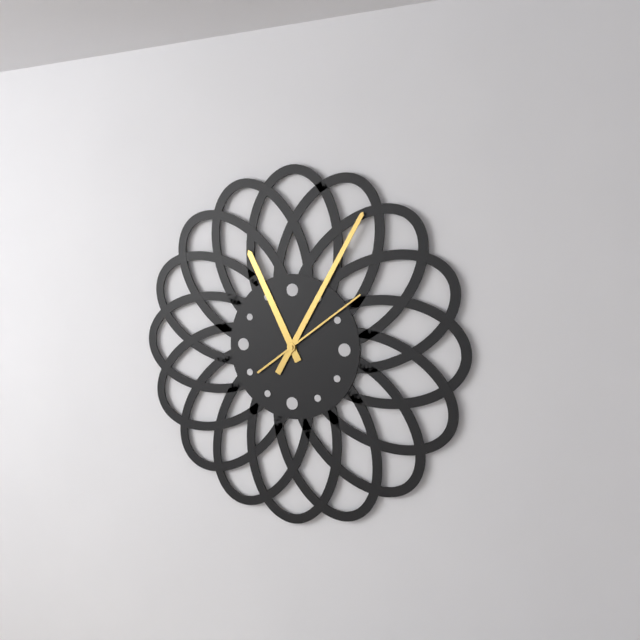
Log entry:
11h05m09s
